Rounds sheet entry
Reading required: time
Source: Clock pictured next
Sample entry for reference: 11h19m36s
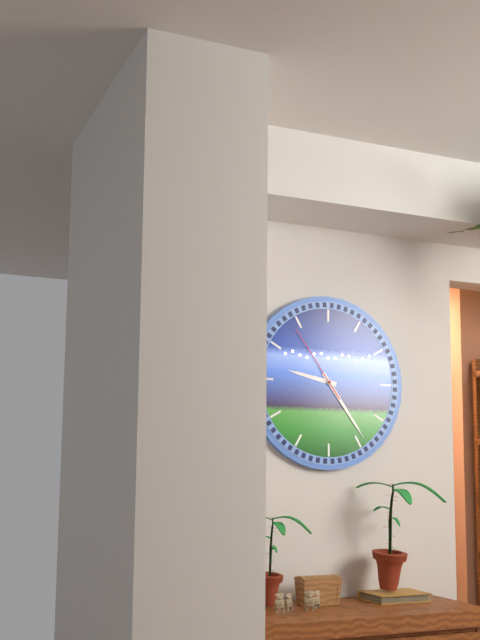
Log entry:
9h24m54s
